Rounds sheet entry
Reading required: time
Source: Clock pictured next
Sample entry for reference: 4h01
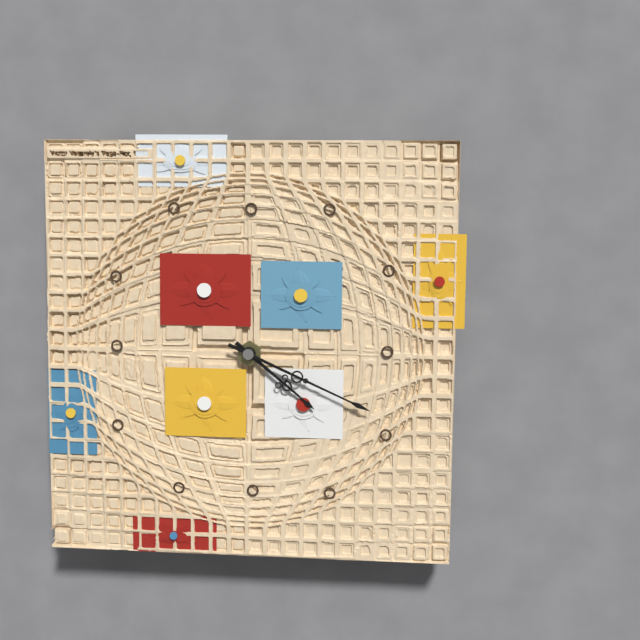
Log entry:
4h19
